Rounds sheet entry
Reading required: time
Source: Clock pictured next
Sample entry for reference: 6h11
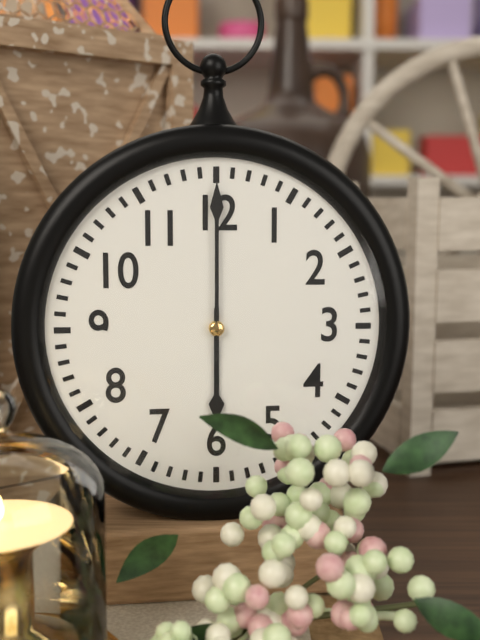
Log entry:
6h00
